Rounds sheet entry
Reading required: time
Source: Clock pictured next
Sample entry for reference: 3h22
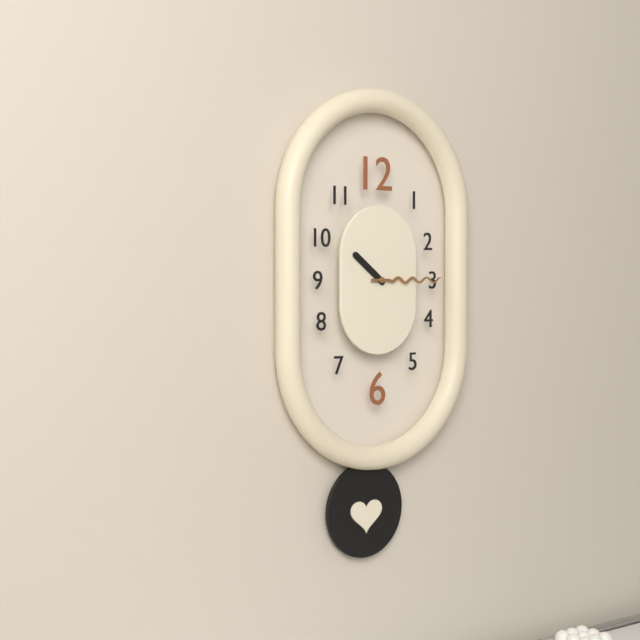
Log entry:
10h15
